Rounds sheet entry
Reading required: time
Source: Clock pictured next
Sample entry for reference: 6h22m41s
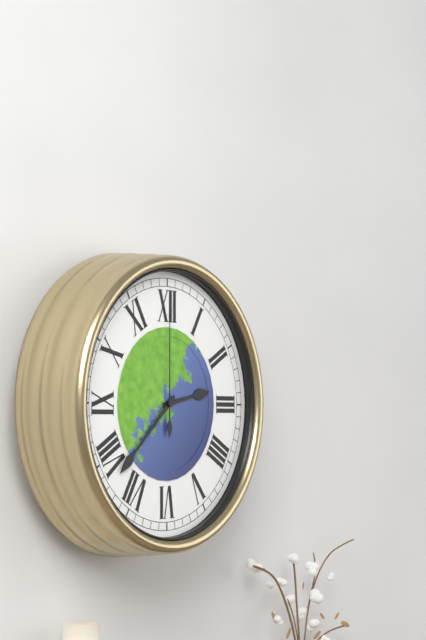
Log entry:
2h38m00s
